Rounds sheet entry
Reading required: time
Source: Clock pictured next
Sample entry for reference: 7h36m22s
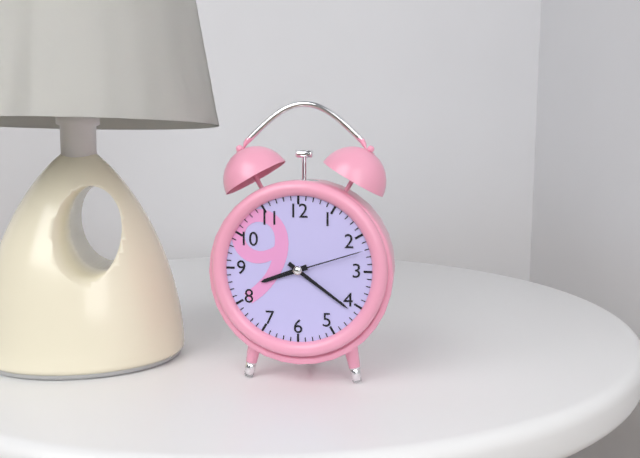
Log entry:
8h21m12s
